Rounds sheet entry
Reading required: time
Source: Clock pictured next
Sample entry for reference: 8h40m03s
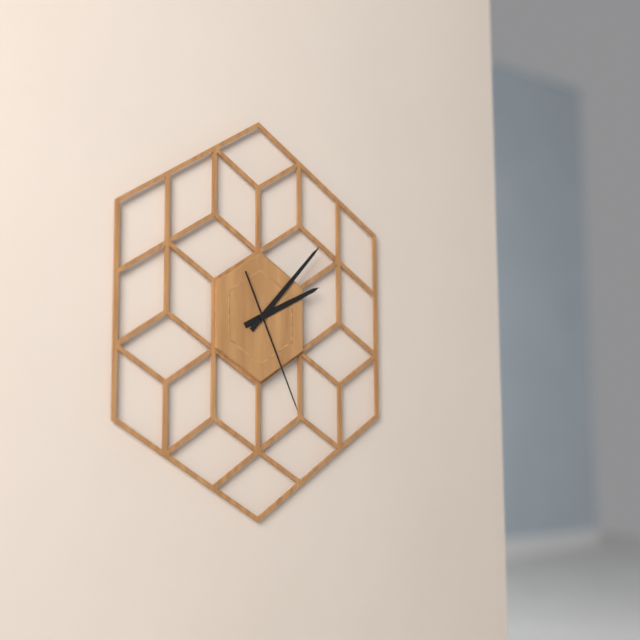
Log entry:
2h07m26s
